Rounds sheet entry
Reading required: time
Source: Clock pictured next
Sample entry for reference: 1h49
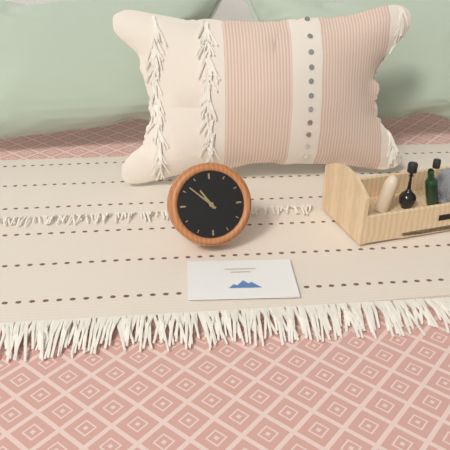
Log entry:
10h52
